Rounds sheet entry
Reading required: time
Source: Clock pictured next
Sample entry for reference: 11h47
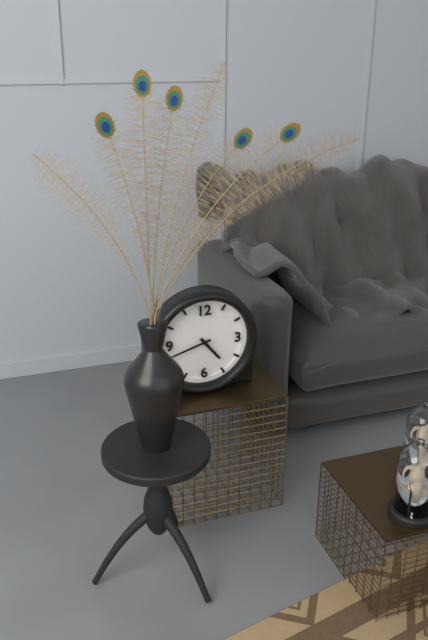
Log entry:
4h42
